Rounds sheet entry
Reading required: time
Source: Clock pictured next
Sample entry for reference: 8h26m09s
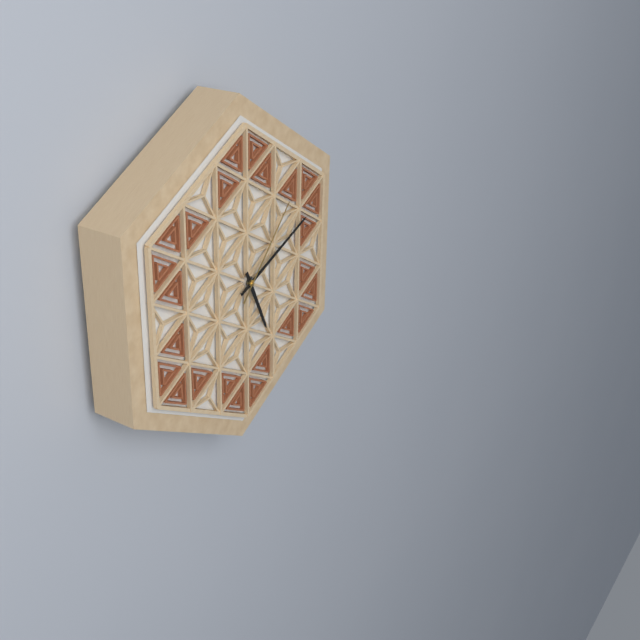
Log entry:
5h11m07s
